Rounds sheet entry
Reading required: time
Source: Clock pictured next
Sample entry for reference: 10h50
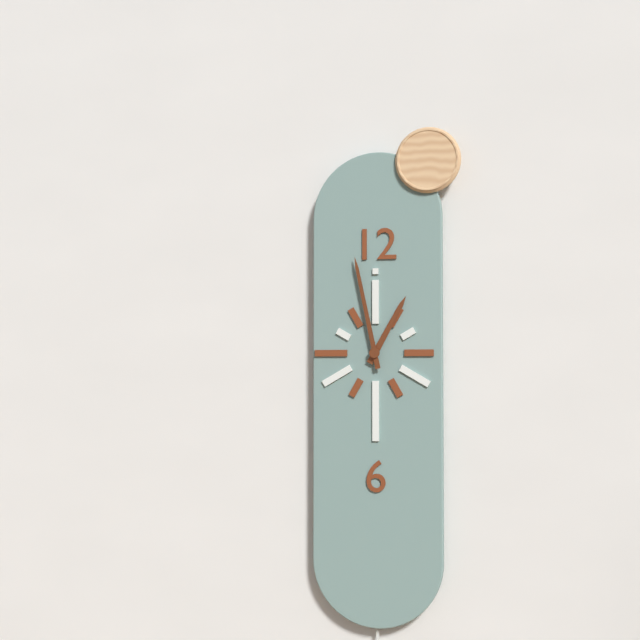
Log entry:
12h58
